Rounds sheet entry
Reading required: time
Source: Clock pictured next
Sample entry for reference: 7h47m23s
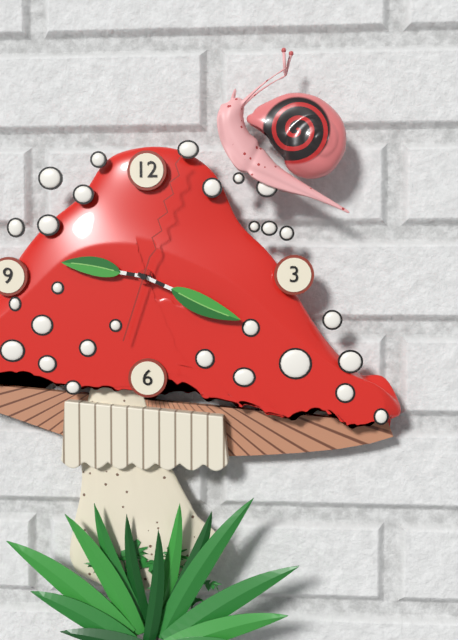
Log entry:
9h19m03s
